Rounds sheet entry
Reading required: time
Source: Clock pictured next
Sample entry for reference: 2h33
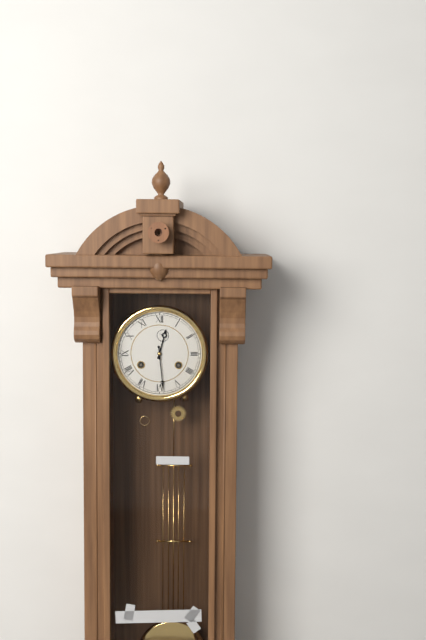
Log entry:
12h29
